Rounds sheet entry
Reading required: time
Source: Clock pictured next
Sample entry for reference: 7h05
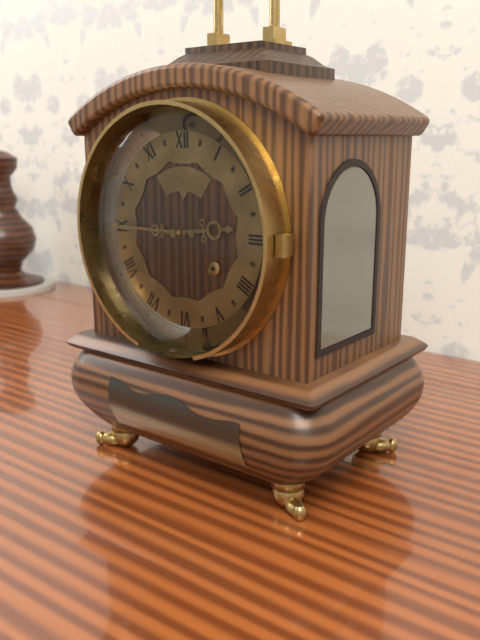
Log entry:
2h45
